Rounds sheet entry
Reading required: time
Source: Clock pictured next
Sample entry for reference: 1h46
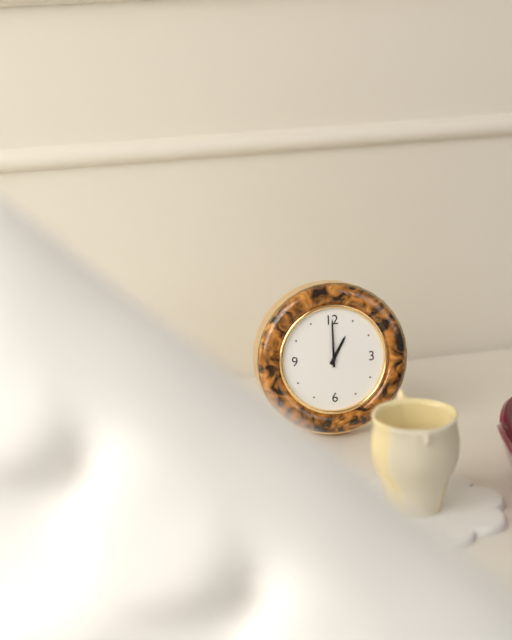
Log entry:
1h00
